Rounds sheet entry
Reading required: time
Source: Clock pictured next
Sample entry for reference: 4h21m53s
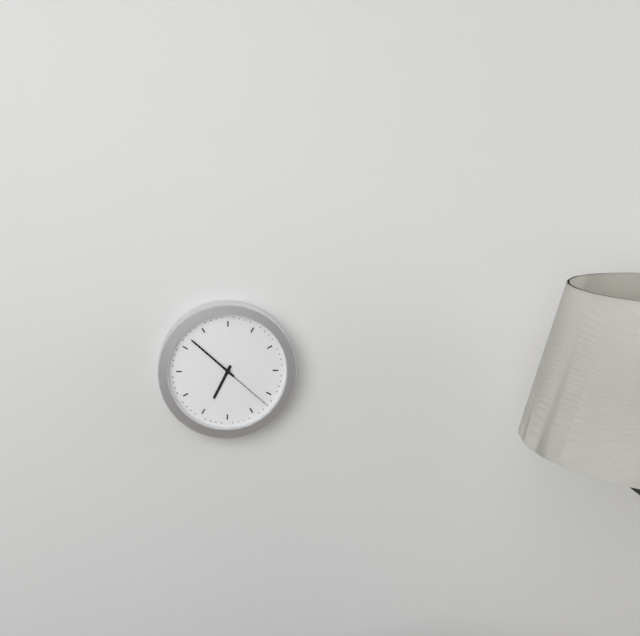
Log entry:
6h52m22s
